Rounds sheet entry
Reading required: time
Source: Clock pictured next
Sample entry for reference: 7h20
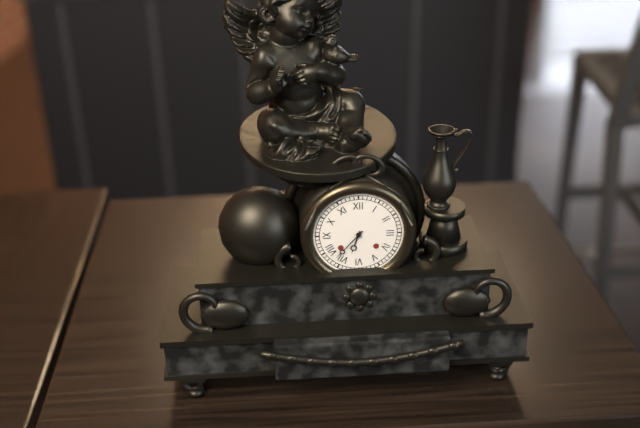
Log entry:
6h37
